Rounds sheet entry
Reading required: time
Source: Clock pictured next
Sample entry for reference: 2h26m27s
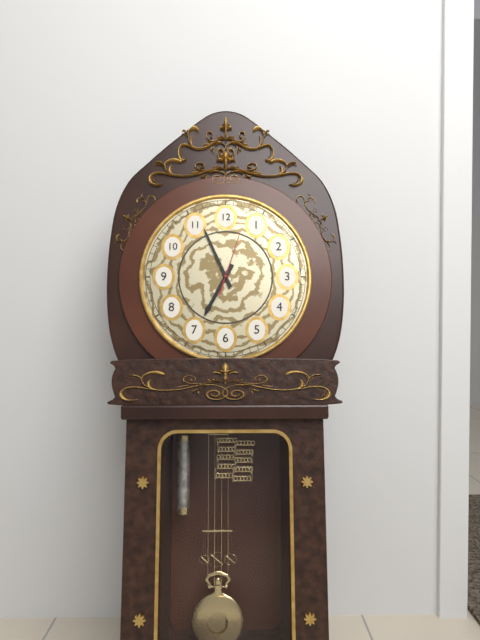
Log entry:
6h56m03s
